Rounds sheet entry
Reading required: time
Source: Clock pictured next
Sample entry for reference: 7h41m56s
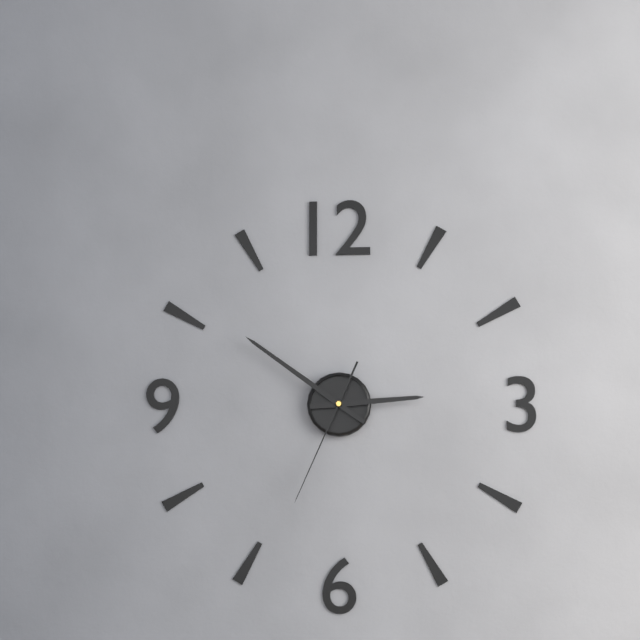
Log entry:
2h51m34s
